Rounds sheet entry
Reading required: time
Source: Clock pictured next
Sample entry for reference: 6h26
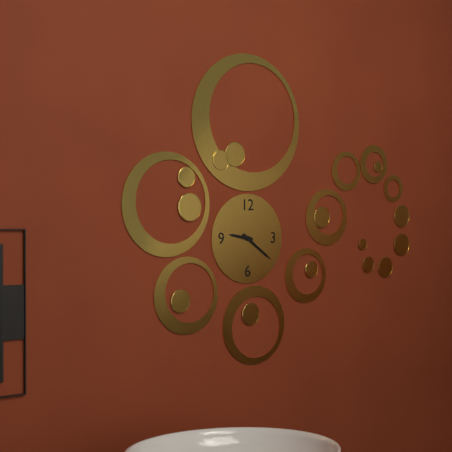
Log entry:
9h21
